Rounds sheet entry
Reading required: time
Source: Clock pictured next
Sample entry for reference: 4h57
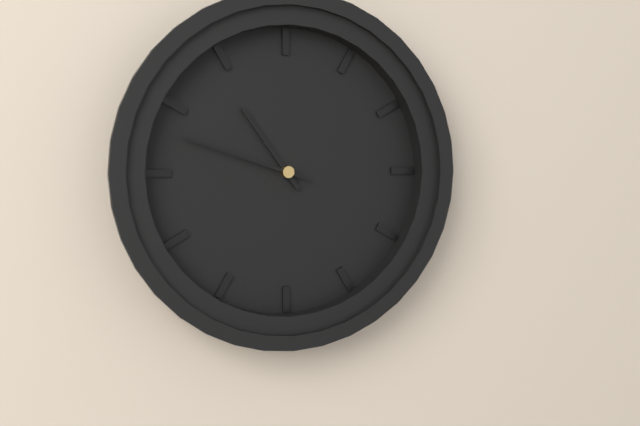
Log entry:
10h48
